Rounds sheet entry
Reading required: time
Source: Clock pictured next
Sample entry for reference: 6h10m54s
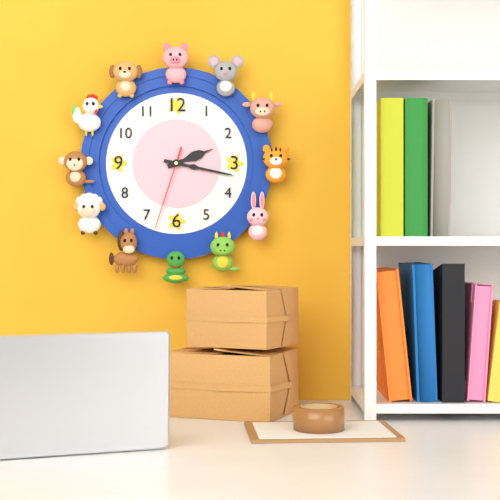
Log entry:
2h17m33s
